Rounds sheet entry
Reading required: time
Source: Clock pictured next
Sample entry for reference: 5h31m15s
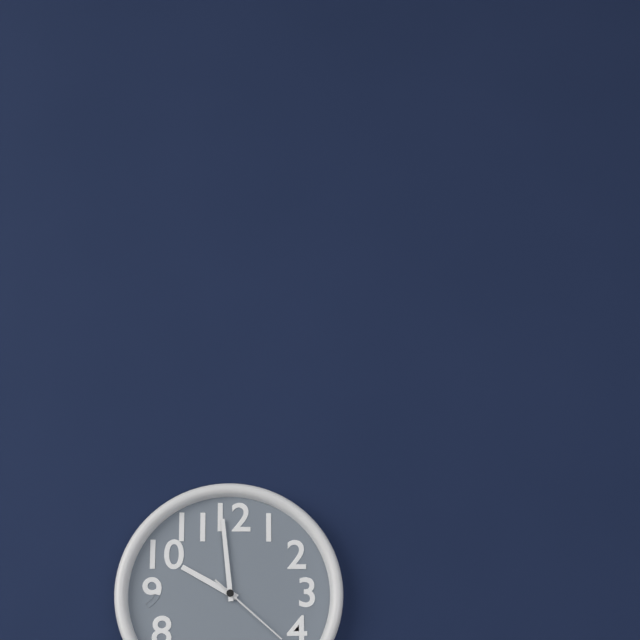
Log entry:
9h59m22s
